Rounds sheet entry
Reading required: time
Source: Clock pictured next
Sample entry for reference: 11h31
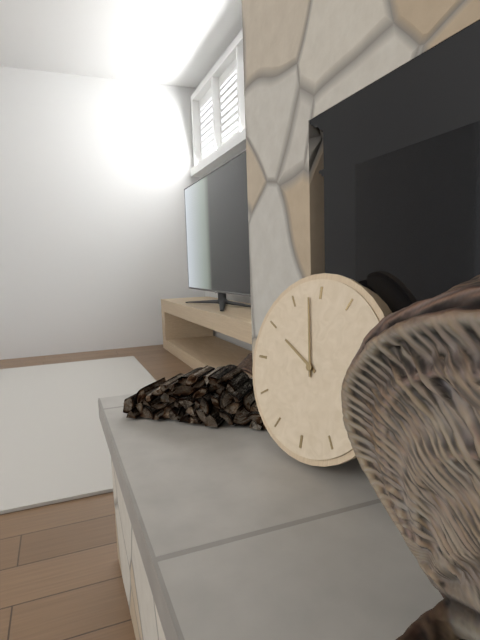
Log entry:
9h58
